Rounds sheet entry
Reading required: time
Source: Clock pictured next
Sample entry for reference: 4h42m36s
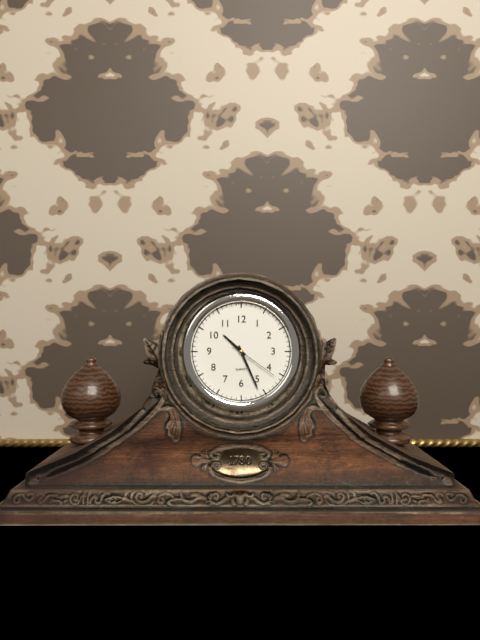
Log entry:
10h26m21s
